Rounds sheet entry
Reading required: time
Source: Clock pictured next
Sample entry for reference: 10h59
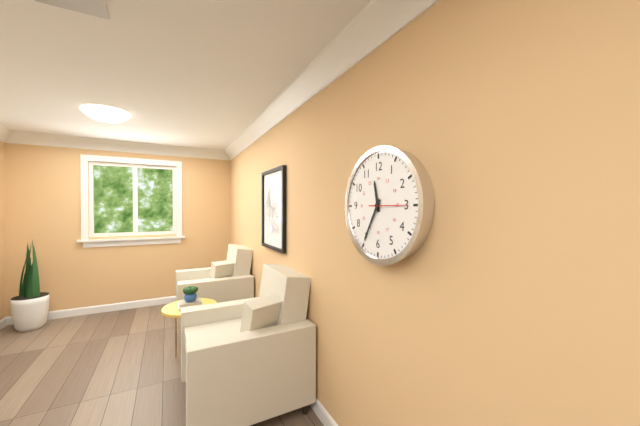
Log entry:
11h35
